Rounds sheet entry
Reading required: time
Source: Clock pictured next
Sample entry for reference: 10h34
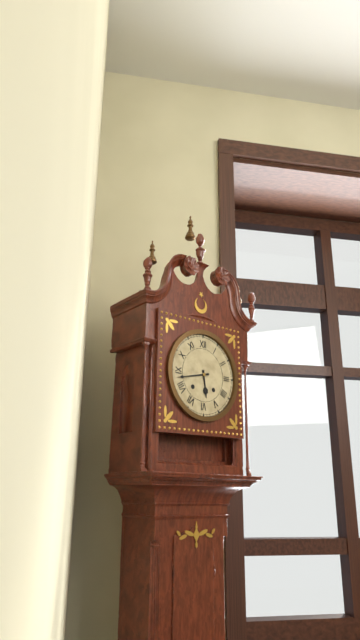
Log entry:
5h43
